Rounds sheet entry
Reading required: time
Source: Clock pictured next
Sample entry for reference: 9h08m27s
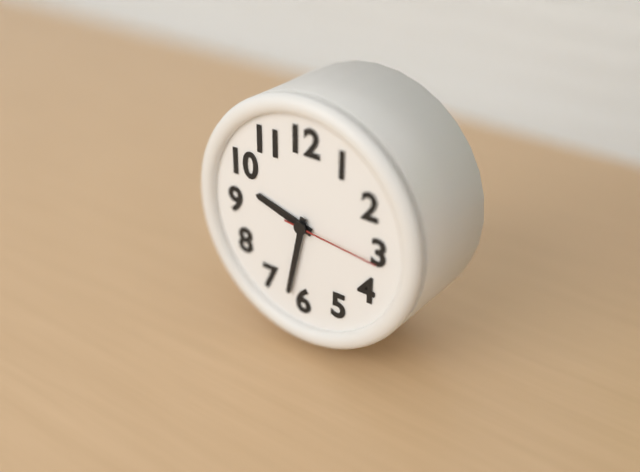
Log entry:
9h32m16s
